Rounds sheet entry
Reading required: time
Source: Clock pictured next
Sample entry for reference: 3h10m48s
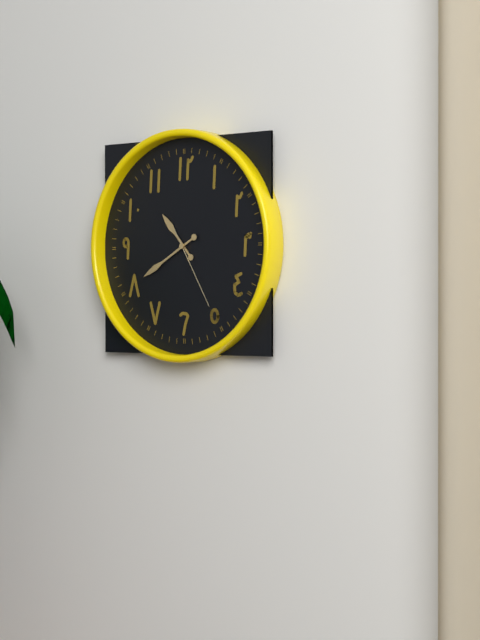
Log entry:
10h40m25s
